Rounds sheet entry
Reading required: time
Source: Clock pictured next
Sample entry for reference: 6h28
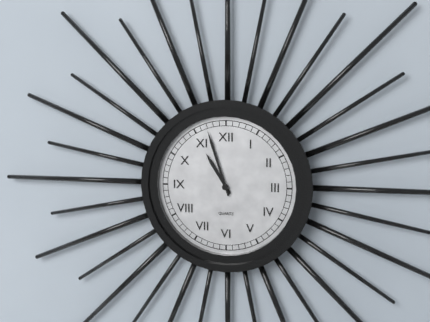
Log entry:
10h57
